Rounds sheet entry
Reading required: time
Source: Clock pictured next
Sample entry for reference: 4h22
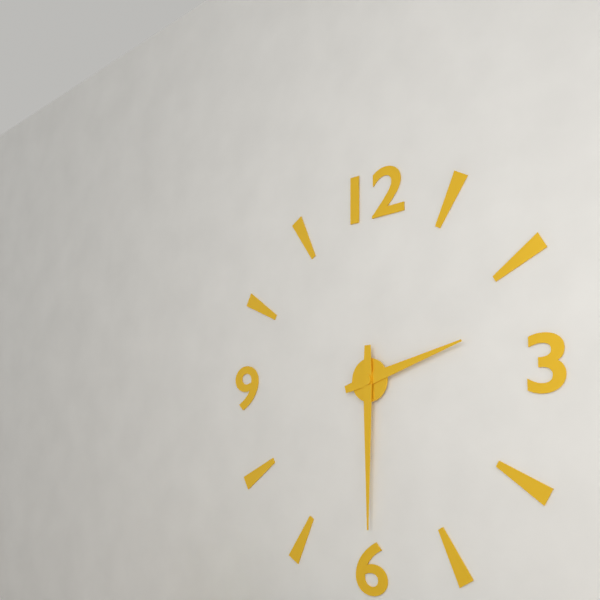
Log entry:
2h30
